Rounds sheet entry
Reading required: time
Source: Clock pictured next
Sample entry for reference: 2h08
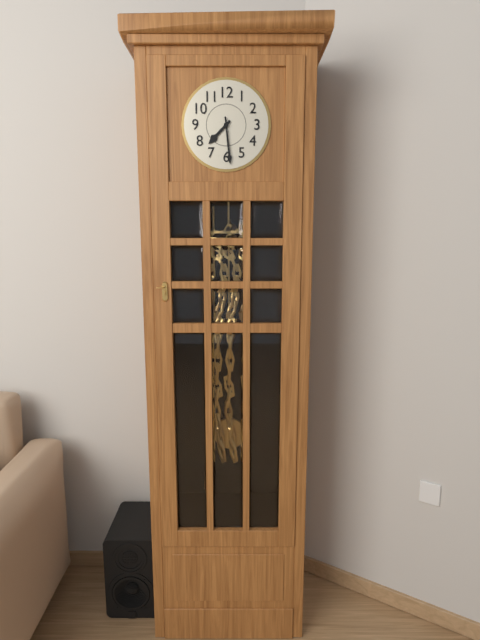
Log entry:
7h29
